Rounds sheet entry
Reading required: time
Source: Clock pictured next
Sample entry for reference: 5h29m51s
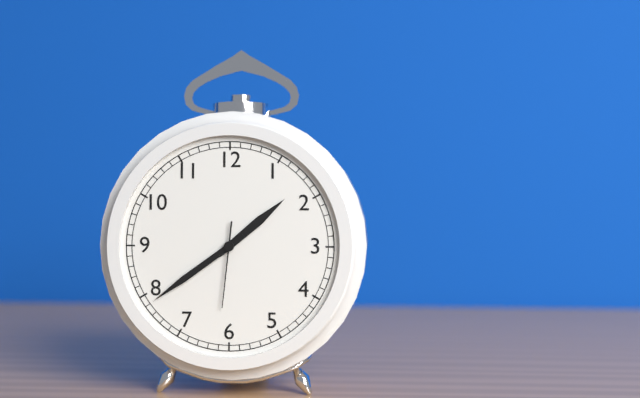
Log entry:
1h39m31s
